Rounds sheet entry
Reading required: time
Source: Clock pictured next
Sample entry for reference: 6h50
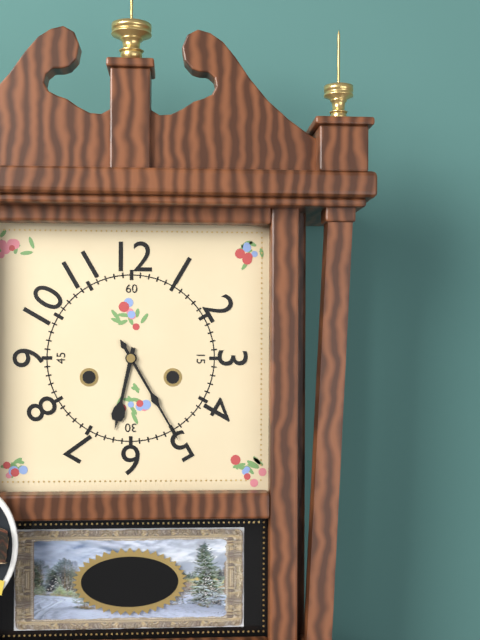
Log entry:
6h25
